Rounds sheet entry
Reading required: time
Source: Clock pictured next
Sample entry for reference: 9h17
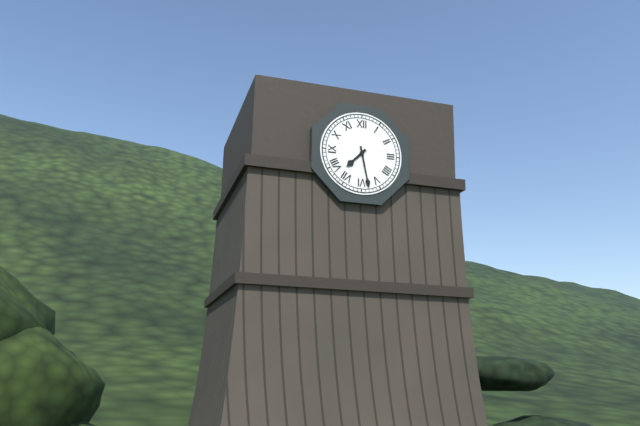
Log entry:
7h28
